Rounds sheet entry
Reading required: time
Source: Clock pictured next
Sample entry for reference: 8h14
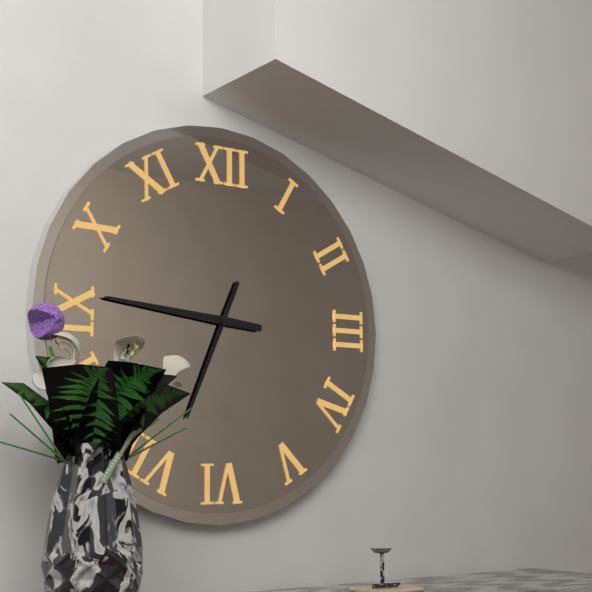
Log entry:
6h46
